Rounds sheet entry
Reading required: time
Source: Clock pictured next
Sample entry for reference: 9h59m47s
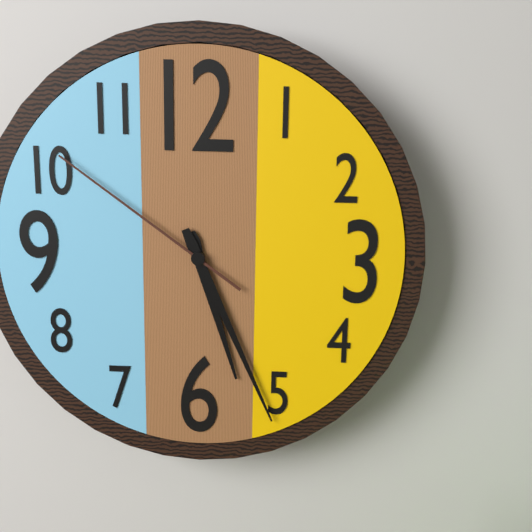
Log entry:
5h26m51s
